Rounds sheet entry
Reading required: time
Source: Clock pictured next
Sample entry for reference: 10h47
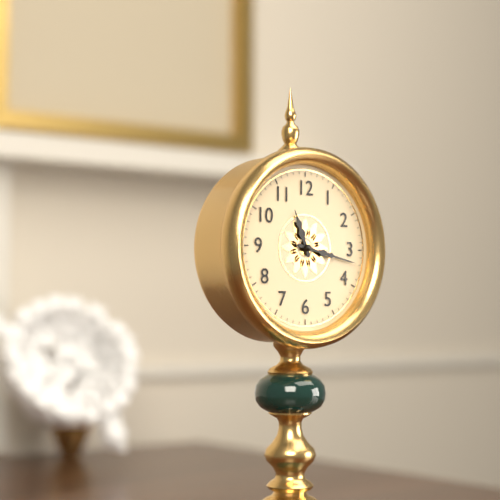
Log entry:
11h17
